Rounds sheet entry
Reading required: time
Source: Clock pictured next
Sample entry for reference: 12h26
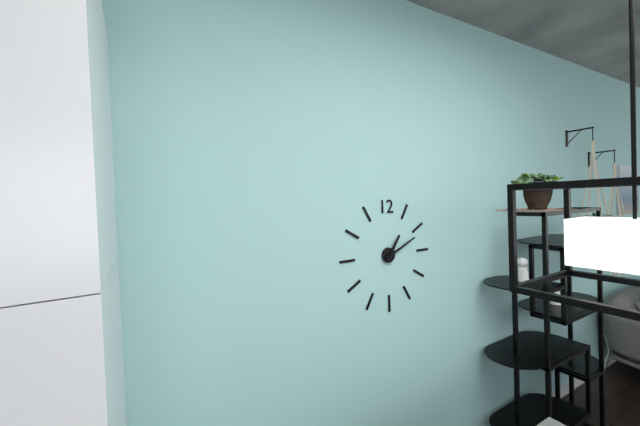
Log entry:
1h11
